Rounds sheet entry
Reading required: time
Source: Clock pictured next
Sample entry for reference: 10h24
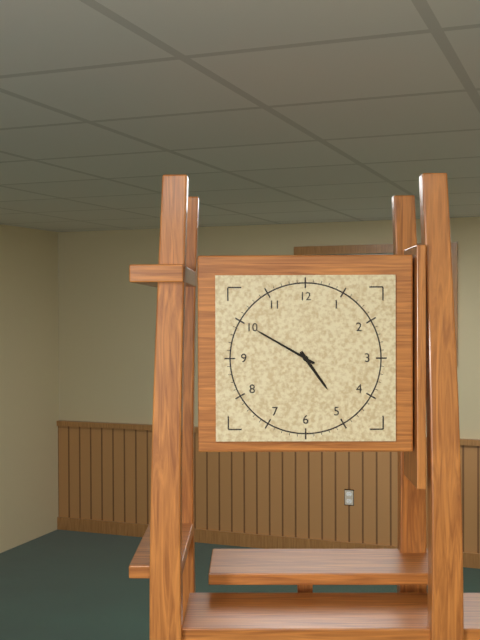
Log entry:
4h50
